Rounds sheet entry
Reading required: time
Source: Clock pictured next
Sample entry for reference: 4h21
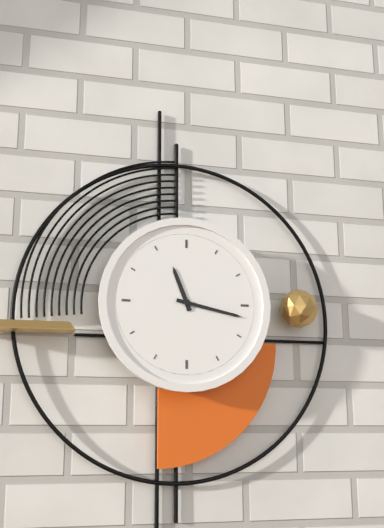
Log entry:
11h17
